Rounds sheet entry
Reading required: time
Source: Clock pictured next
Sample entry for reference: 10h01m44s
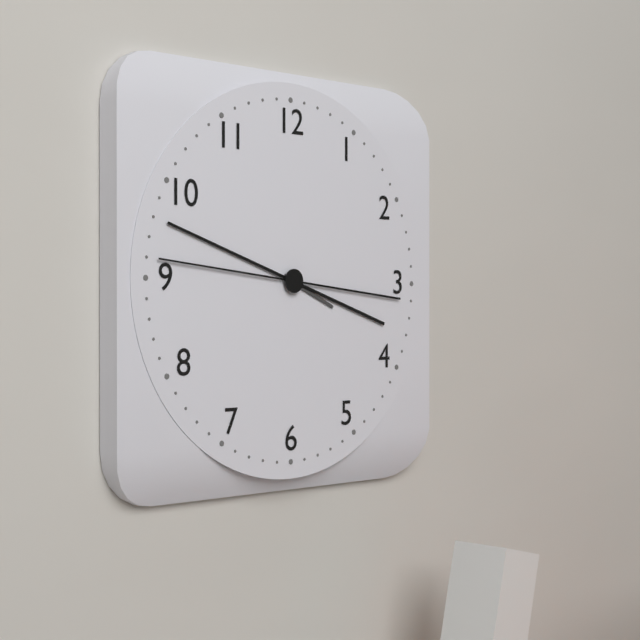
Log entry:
3h48m46s
